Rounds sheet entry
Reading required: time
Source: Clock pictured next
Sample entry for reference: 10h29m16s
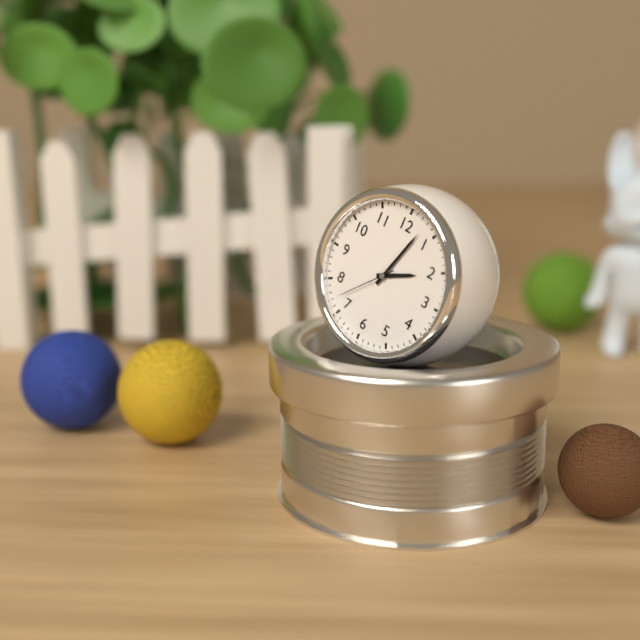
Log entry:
2h03m37s
